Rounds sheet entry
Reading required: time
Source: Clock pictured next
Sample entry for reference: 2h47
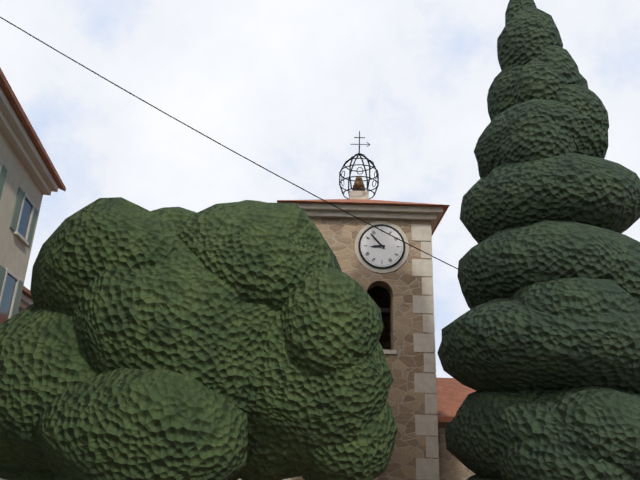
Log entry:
8h53
